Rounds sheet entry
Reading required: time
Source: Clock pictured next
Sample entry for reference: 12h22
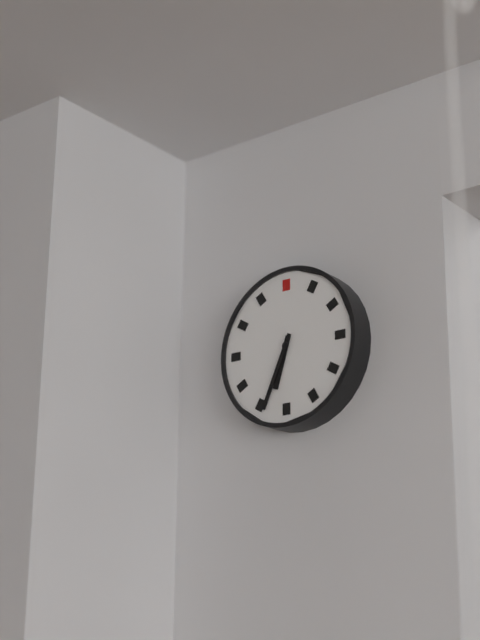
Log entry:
6h34
